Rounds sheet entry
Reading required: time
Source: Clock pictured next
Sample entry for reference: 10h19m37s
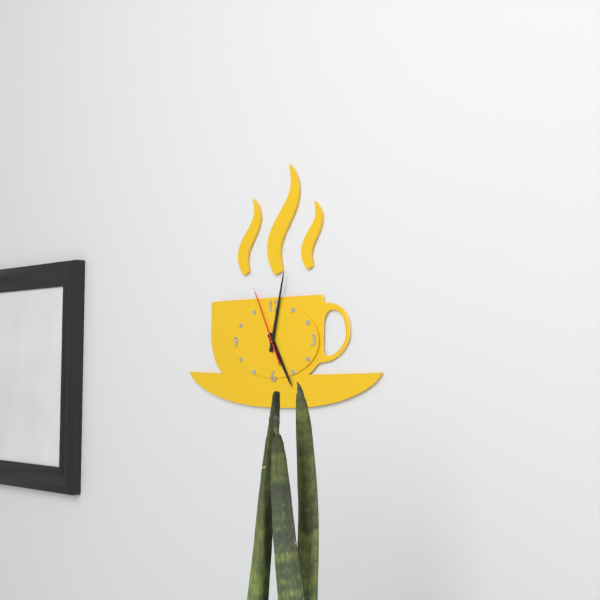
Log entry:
5h02m56s
